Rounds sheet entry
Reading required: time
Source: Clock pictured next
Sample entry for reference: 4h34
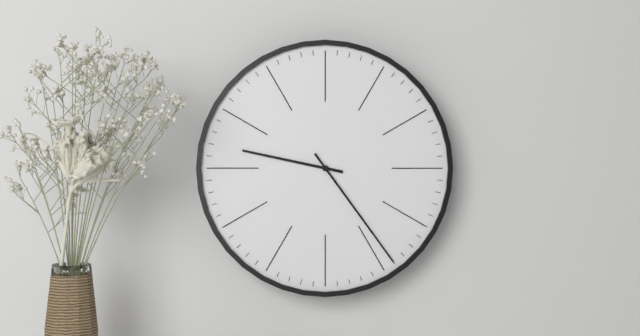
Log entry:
9h24
